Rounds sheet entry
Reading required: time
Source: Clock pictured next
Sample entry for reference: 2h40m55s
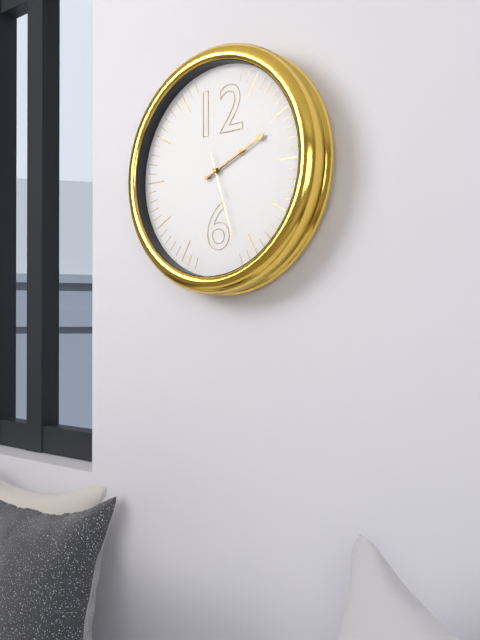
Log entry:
2h11m27s
